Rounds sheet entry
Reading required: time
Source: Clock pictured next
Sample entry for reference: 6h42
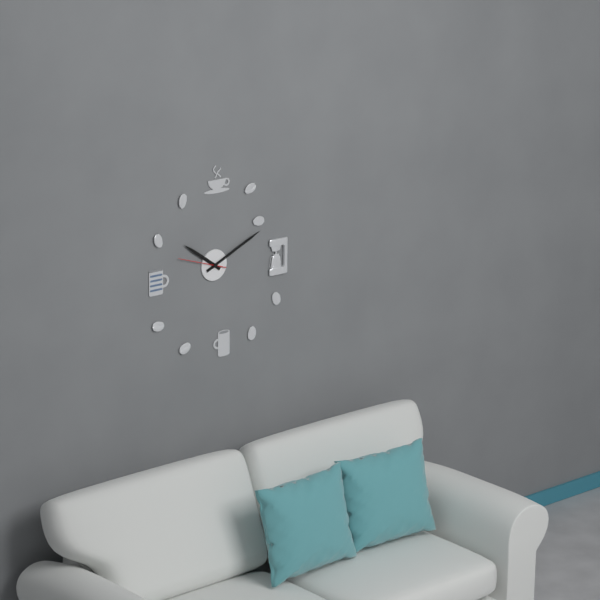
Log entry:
10h11
